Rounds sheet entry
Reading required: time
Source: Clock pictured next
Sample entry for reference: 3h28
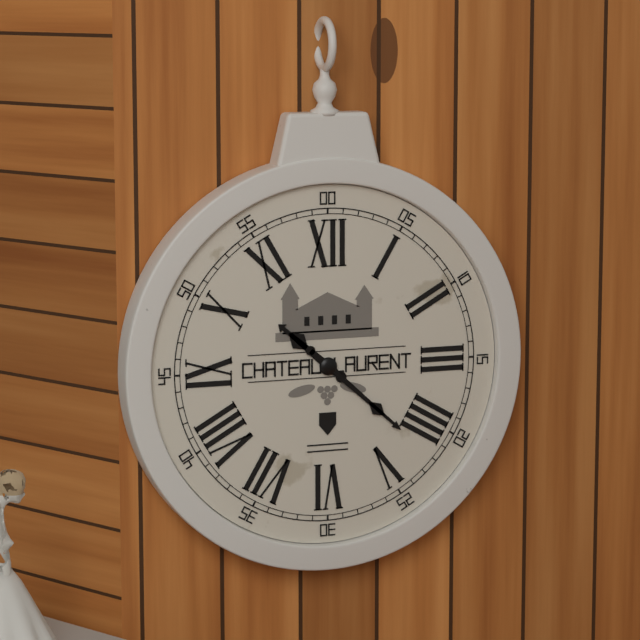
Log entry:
10h22
